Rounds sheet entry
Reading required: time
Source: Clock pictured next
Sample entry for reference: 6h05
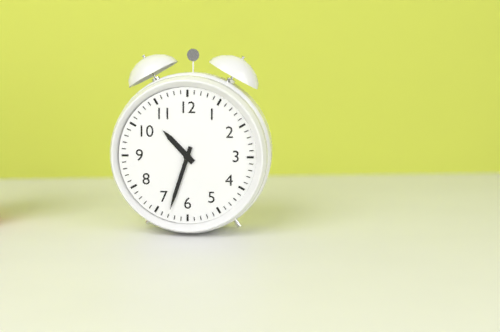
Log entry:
10h33
